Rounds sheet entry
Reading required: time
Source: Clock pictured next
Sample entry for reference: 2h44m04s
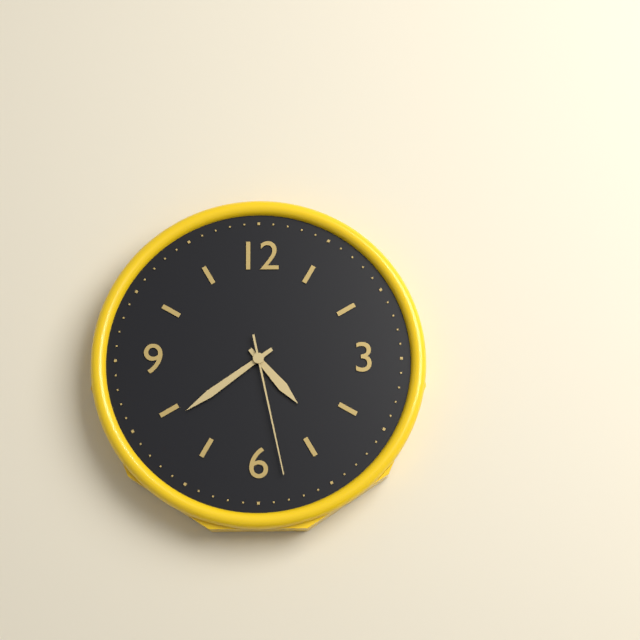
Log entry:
4h39m28s
